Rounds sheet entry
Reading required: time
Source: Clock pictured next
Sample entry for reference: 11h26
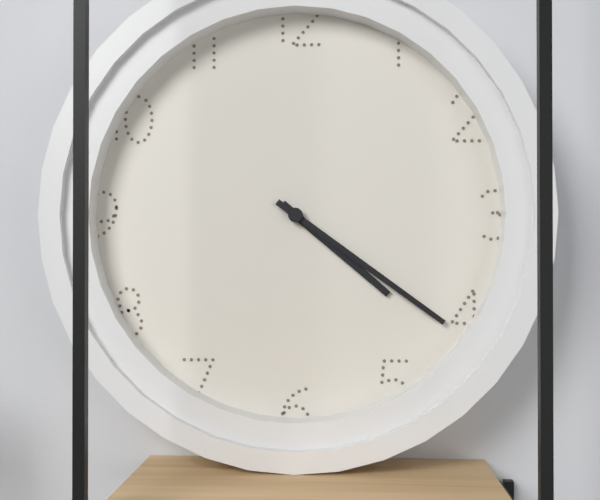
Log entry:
4h21
